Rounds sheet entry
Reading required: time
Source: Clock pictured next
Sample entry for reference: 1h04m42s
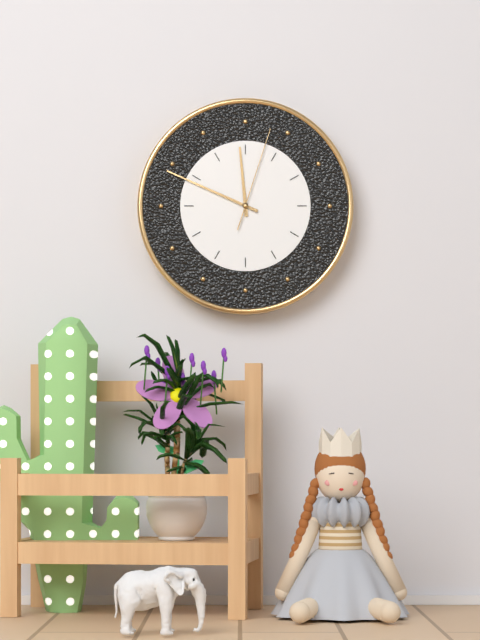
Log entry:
11h49m03s
